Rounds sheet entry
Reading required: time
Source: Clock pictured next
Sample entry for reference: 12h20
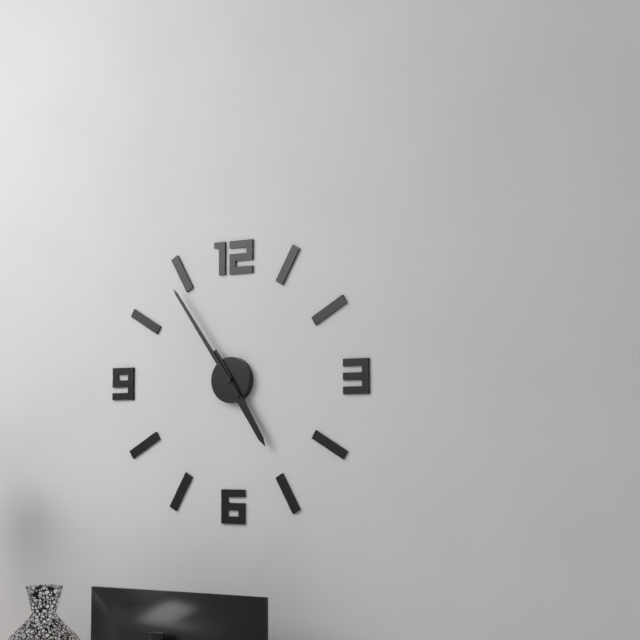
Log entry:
4h54
